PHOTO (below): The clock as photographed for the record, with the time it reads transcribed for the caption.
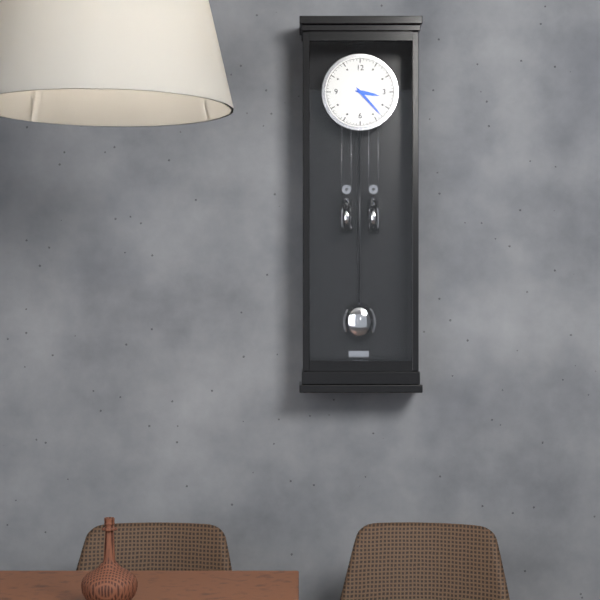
3:23
